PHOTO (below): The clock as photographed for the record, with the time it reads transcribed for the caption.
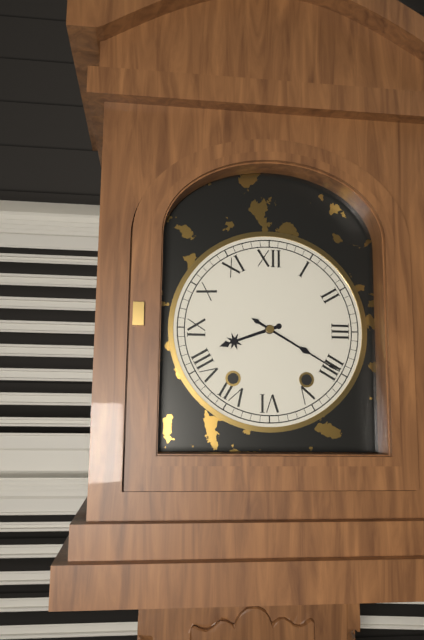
8:20
